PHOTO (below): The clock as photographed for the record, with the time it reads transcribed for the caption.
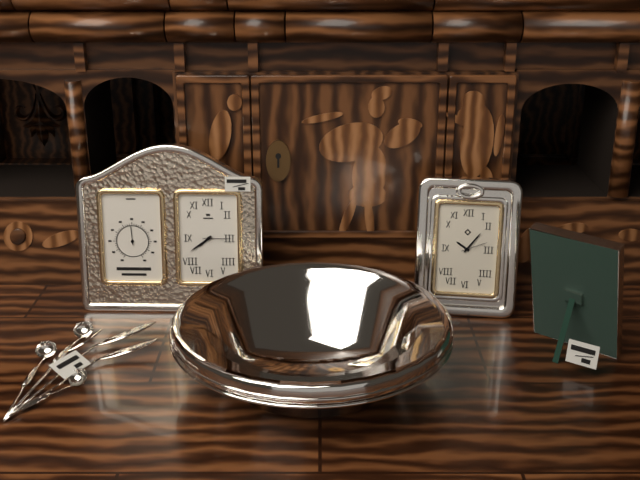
7:39
